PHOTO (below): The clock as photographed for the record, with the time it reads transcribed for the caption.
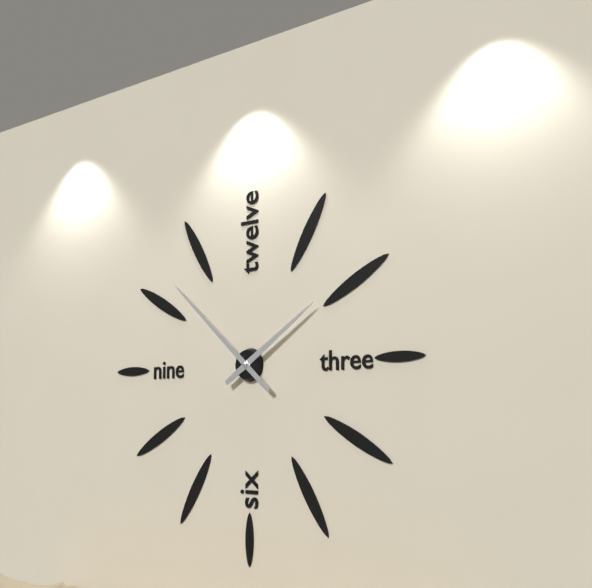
1:52
